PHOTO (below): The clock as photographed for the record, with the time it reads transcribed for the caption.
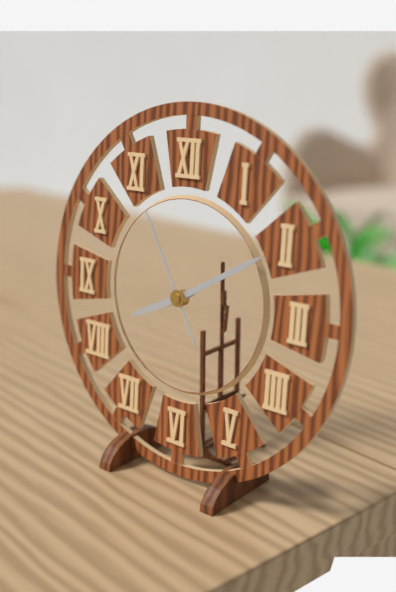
8:10:55
